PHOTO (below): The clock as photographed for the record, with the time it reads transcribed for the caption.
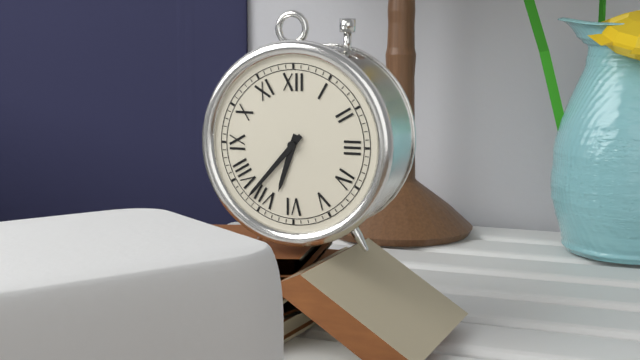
6:37
